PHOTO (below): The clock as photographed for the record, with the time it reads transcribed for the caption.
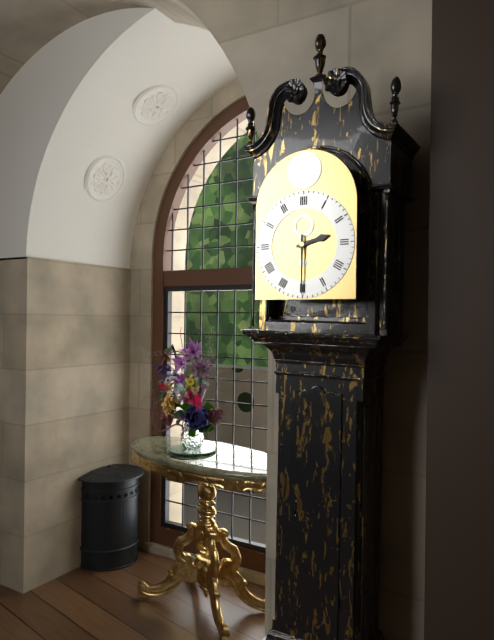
2:30
